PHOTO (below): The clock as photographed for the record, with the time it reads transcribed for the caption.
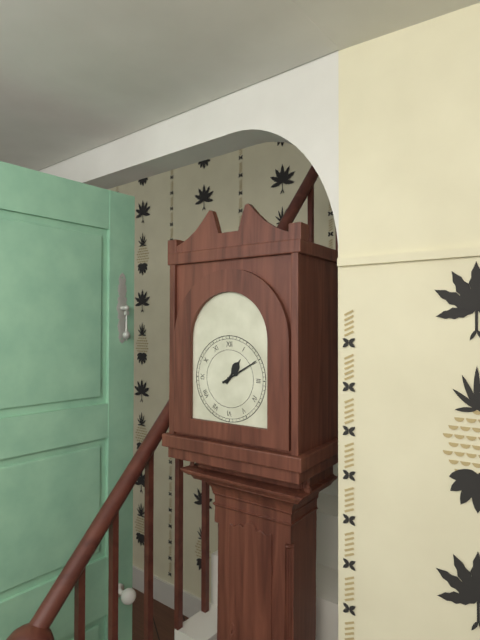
1:10
